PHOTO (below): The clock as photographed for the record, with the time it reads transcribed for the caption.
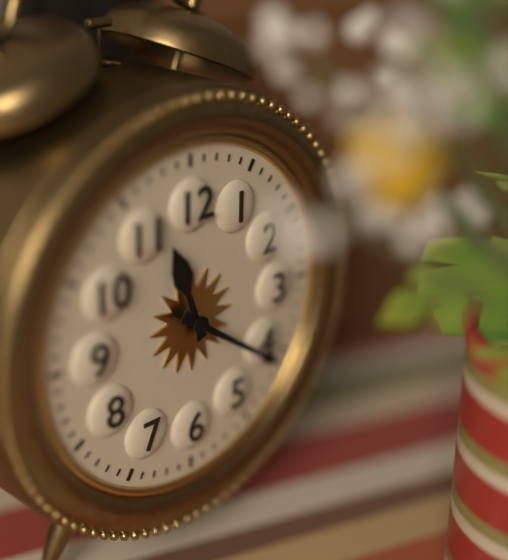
11:21
